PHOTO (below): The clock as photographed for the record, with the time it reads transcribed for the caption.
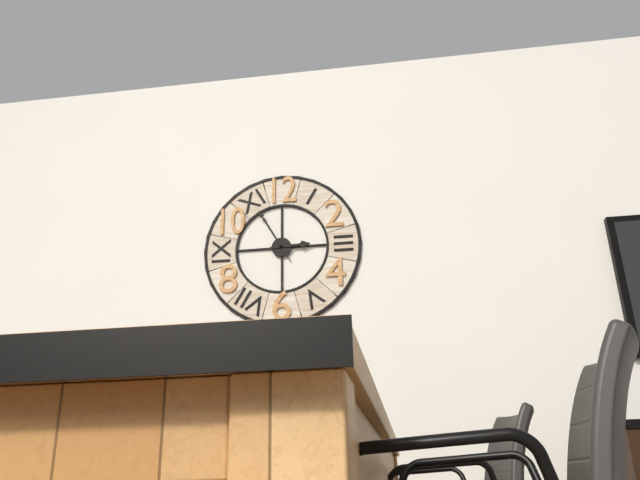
2:55
